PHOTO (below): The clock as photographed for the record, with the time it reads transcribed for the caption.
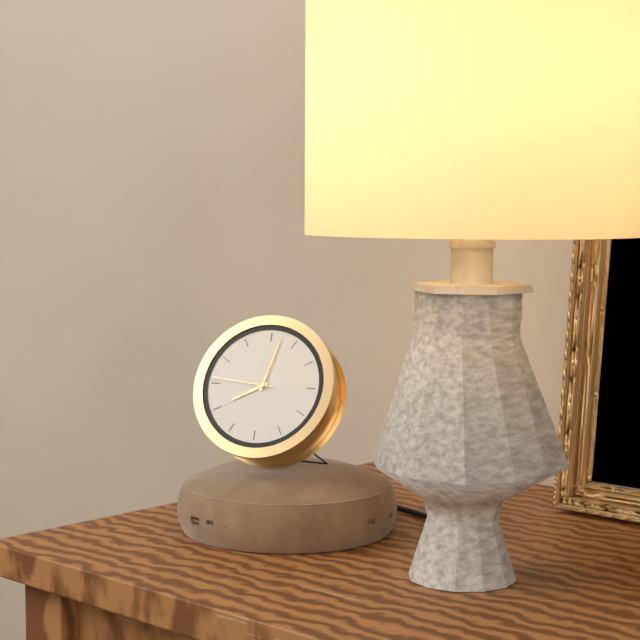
8:02:46
